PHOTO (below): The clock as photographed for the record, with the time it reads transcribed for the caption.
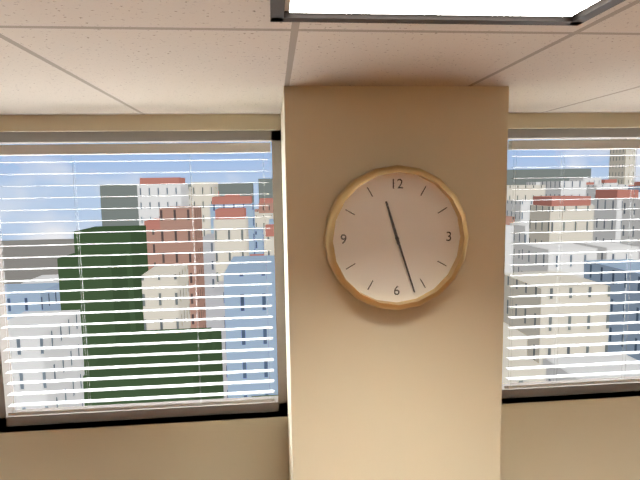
11:27
